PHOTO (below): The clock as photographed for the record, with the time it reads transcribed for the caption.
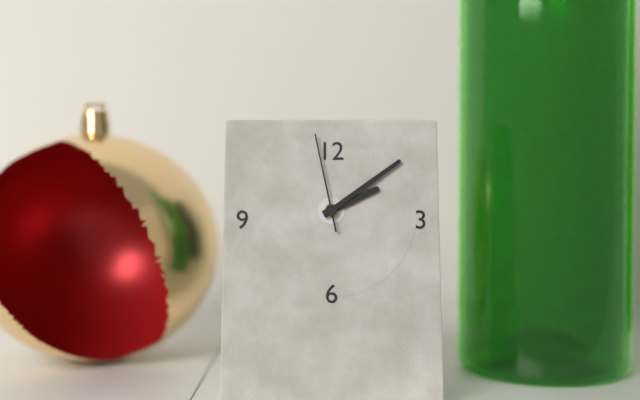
2:09:58
